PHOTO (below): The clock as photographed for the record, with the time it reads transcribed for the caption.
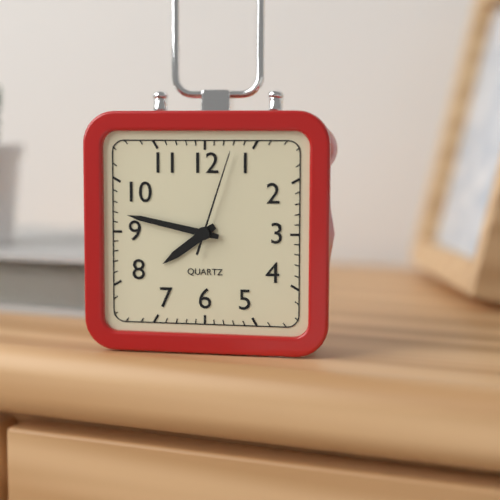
7:47:03
